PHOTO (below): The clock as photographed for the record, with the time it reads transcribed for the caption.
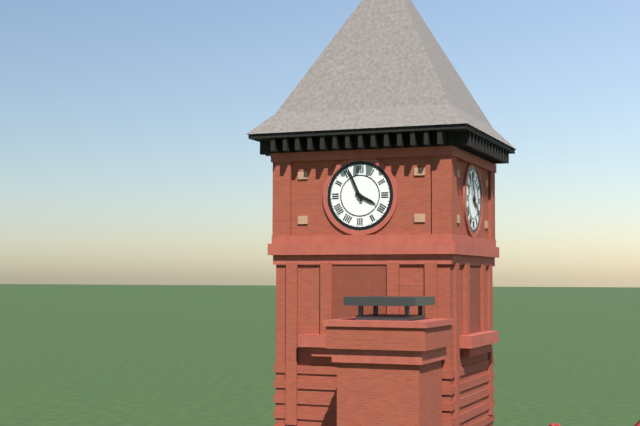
3:56
